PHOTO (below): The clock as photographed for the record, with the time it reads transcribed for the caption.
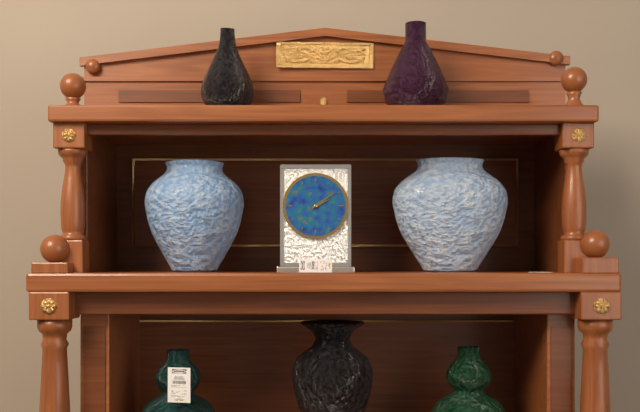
2:09
